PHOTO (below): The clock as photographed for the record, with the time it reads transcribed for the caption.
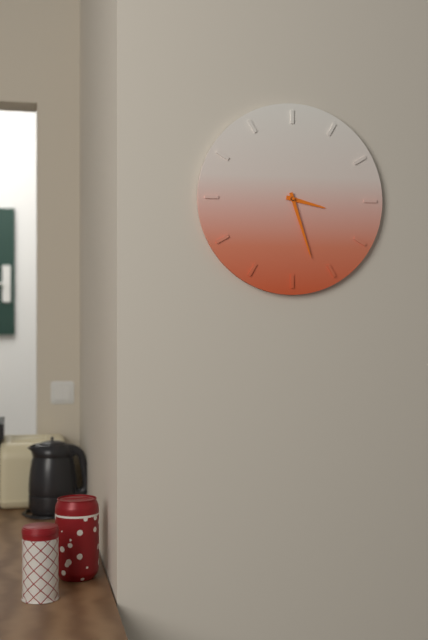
3:27
